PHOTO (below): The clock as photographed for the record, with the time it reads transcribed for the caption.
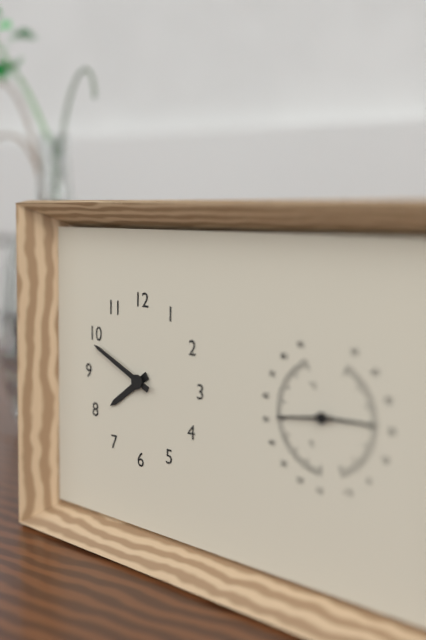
7:49
